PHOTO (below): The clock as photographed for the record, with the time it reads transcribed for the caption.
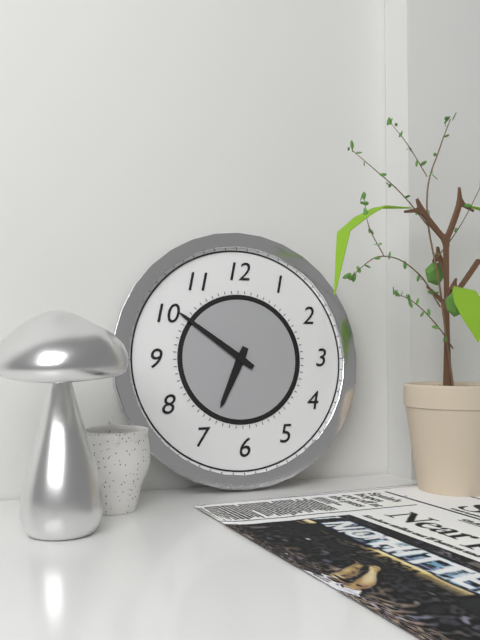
6:51
